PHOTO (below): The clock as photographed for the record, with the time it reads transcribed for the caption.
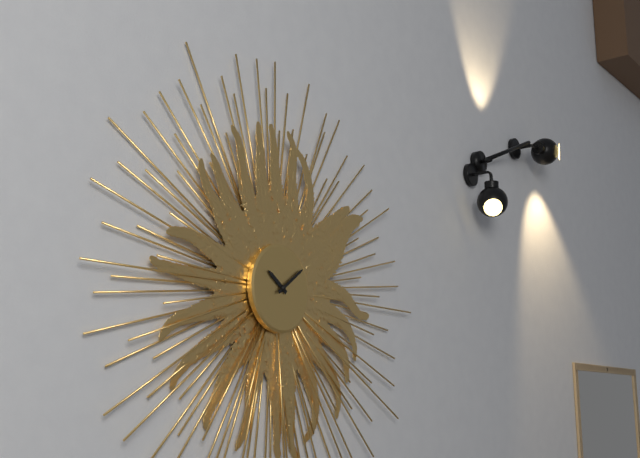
10:09
